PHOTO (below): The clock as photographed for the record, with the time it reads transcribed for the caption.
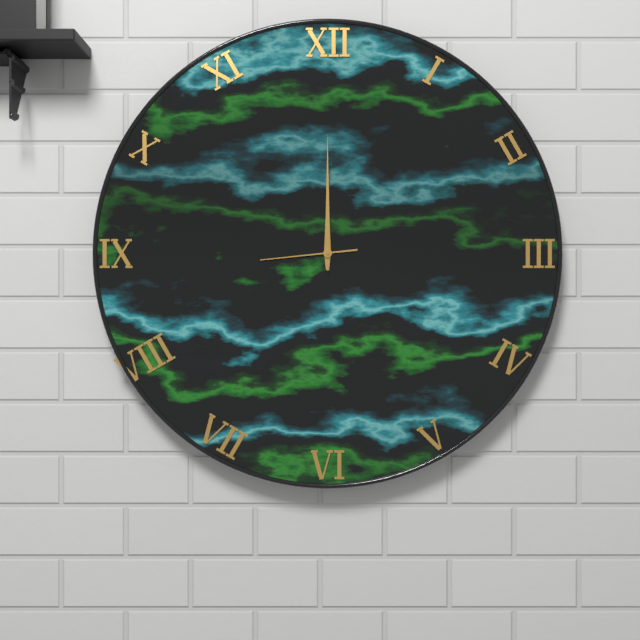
12:00:44
